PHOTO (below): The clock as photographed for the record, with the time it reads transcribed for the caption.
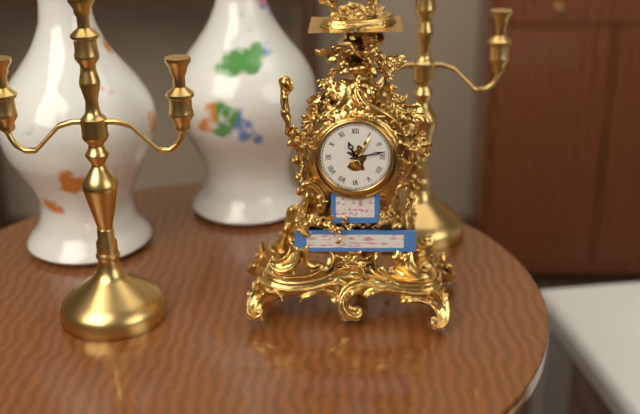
11:13
